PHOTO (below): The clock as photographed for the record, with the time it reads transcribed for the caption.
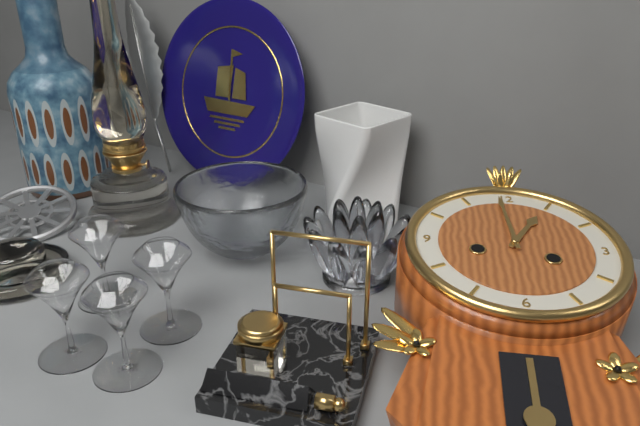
12:59
